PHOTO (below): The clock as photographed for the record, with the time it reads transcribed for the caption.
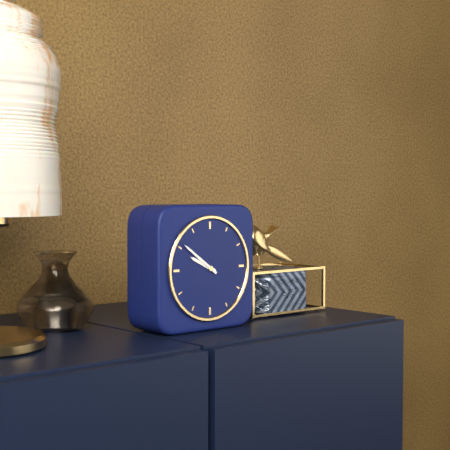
9:51
